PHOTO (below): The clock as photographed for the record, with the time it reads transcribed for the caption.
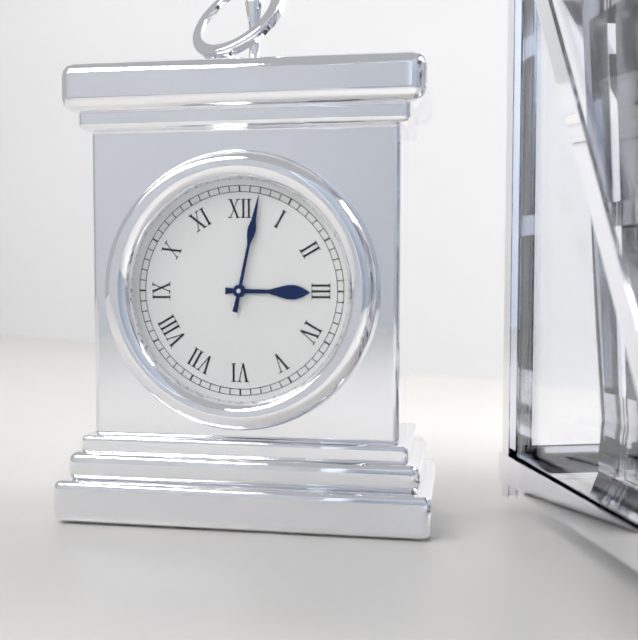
3:02
